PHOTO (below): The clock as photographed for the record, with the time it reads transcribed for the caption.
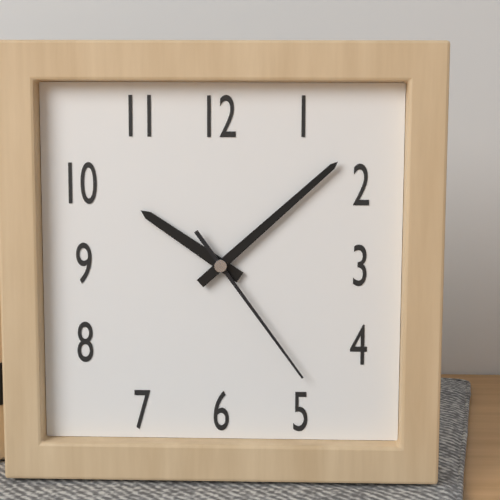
10:08:24
